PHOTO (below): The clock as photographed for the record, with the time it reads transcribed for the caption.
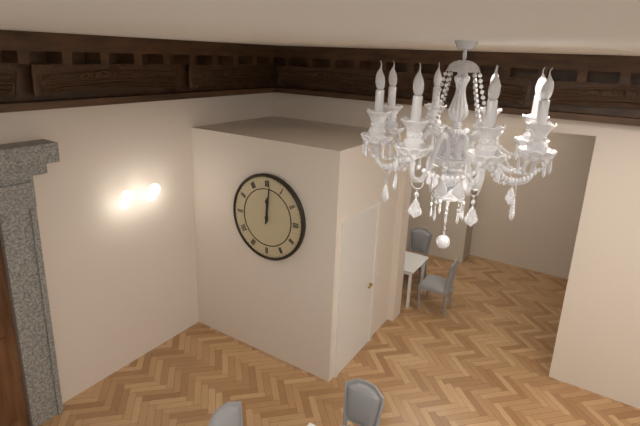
12:01
